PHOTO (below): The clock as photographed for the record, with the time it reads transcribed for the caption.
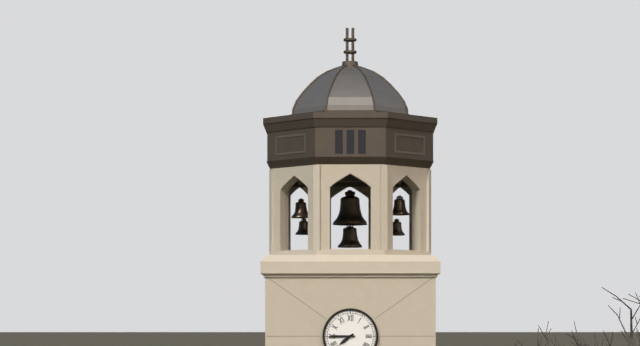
7:45
